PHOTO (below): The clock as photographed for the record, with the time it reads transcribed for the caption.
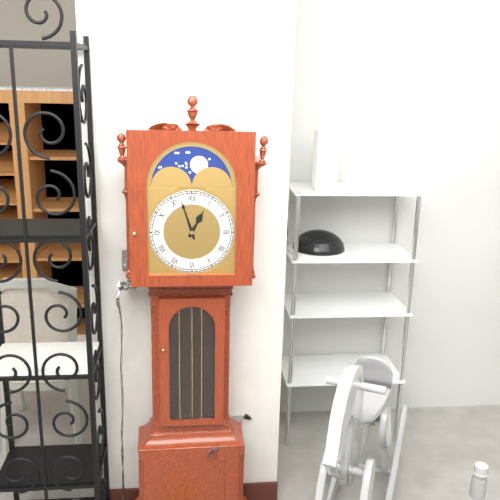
12:57
